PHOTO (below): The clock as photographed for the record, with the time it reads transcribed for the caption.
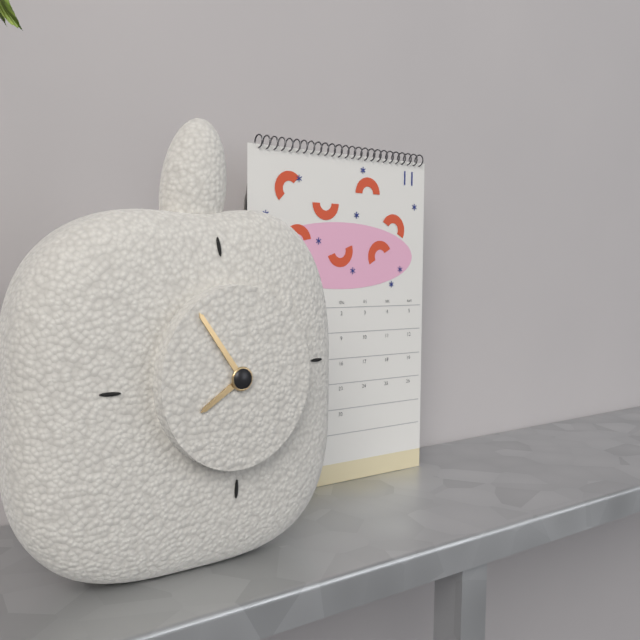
7:54
